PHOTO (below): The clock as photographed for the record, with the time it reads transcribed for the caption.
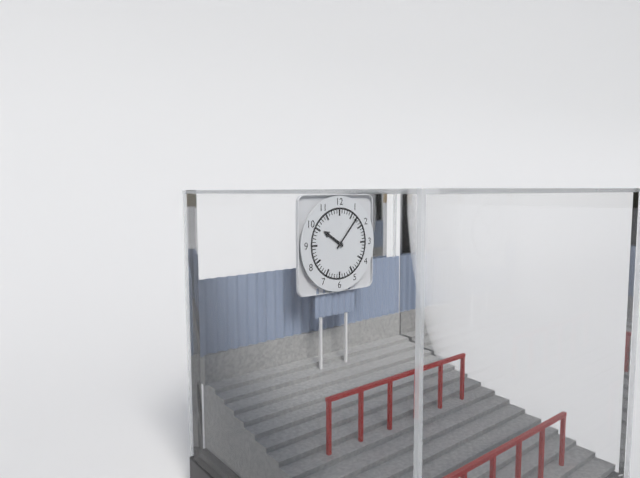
10:07
